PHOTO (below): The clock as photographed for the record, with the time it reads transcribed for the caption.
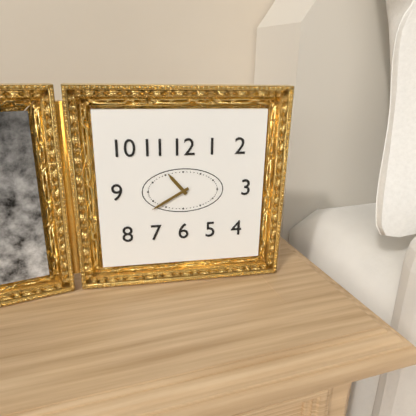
10:40
